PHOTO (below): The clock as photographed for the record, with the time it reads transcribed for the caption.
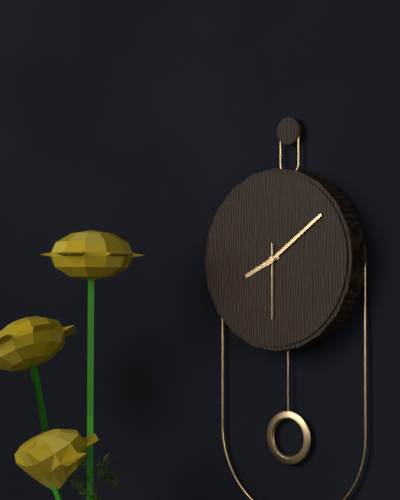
8:09:30
